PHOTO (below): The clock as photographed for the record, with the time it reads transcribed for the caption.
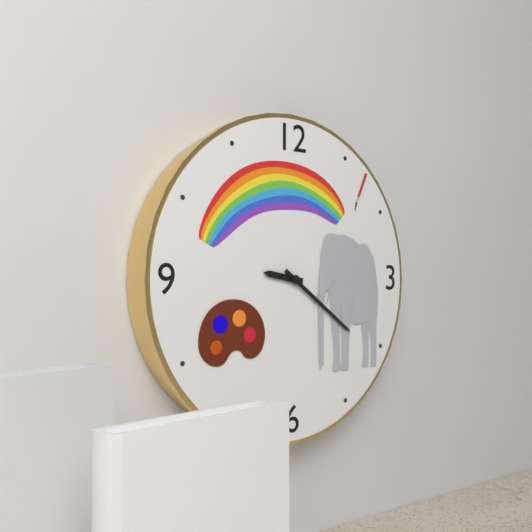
9:21
